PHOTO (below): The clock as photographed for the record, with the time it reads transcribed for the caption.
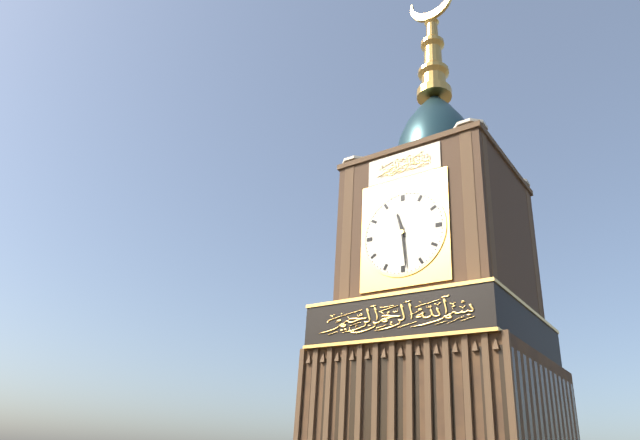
11:29
